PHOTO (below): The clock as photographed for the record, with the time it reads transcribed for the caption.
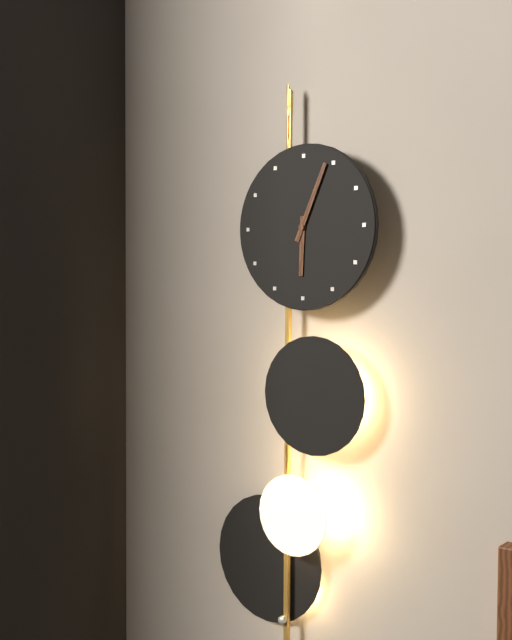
6:04
